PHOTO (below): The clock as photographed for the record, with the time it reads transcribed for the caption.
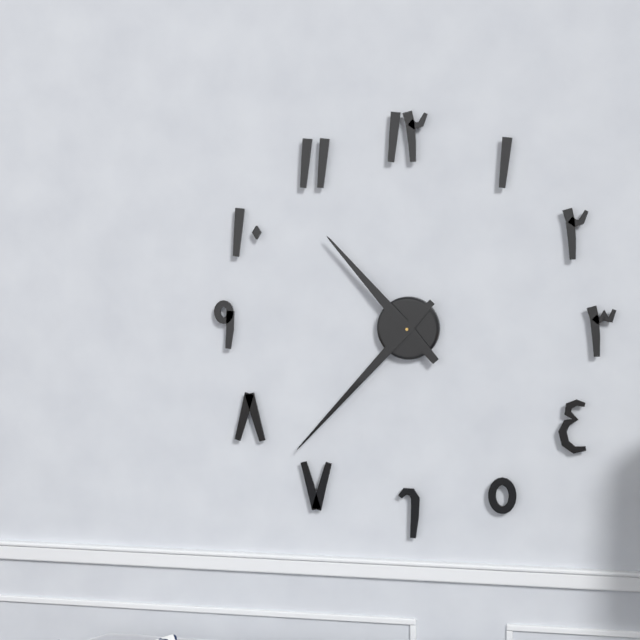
10:37
